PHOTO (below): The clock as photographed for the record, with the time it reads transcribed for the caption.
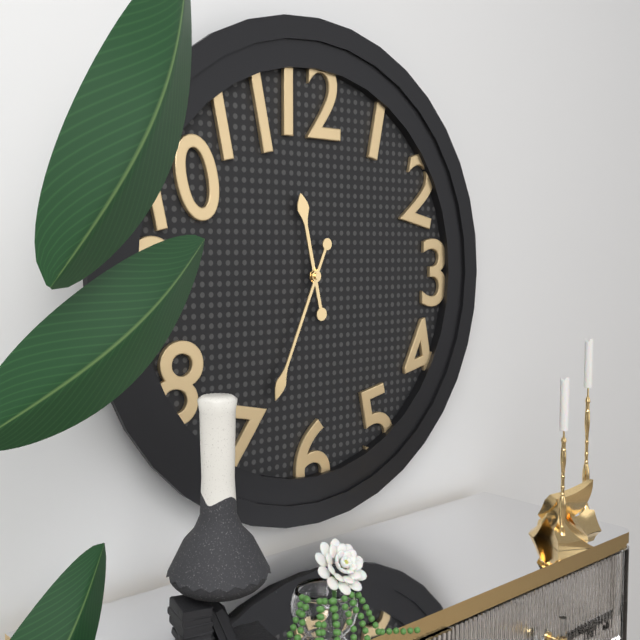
11:34
